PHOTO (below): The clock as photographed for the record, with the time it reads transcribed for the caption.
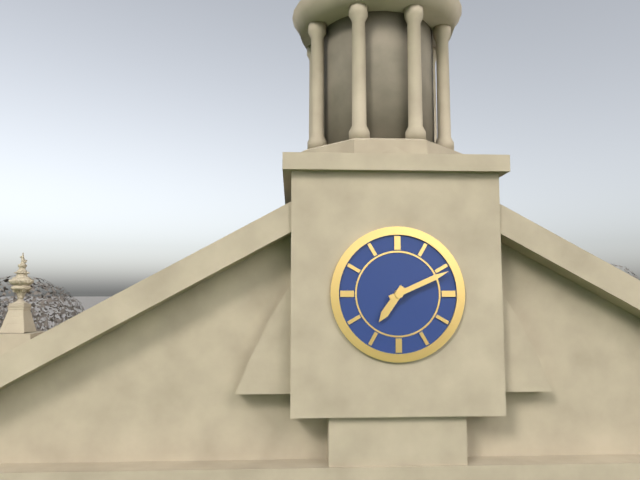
7:11
